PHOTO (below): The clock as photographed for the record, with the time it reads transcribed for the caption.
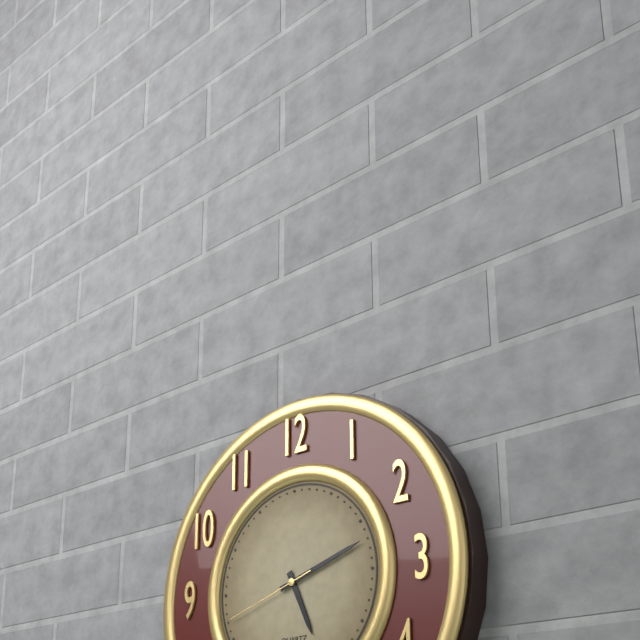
5:12:42
